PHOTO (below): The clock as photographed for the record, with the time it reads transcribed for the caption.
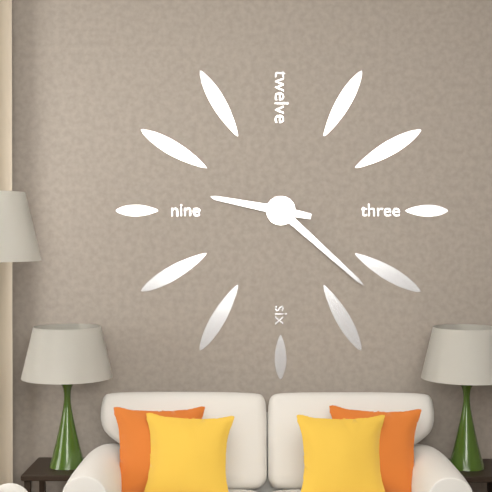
9:22
